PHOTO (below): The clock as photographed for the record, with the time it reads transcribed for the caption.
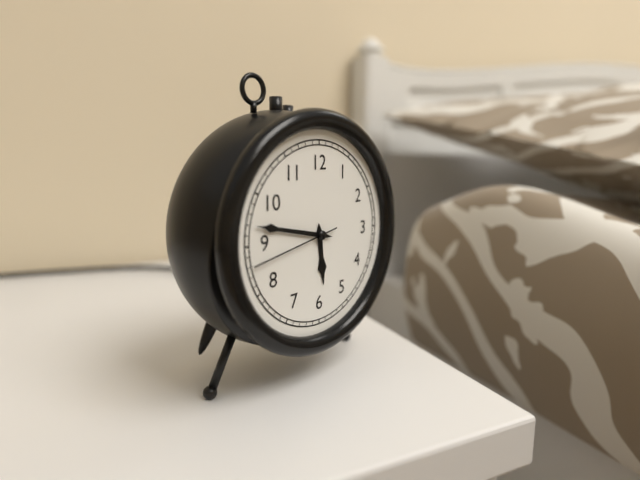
5:47:43
